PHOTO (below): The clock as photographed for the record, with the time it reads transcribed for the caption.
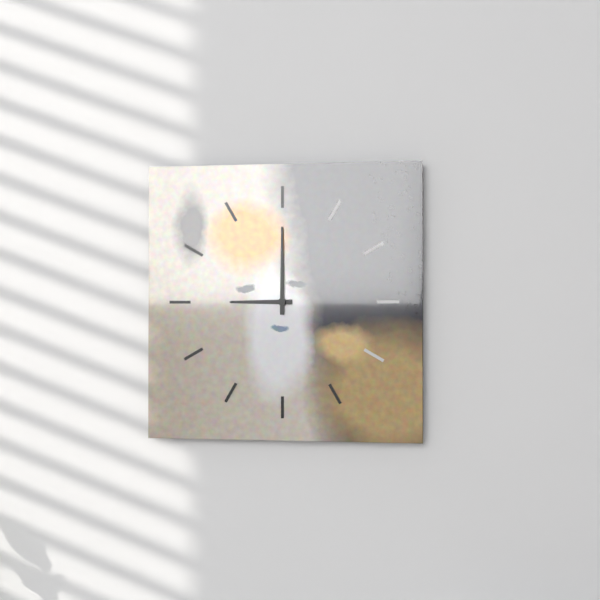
9:00
